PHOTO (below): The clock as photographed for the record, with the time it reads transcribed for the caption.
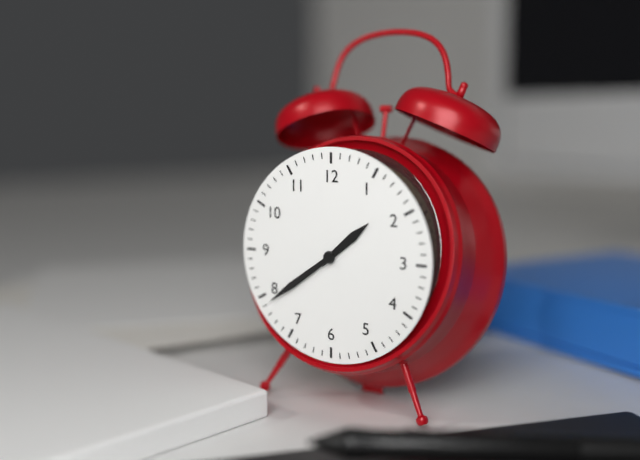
1:39
